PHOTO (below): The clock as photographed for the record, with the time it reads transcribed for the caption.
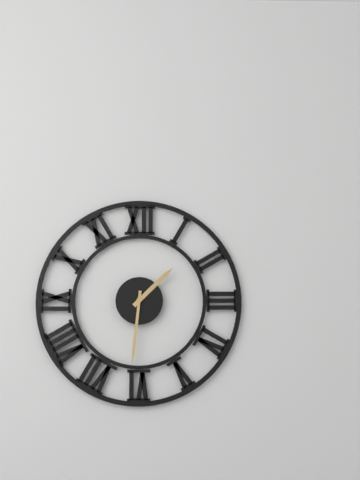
1:31
